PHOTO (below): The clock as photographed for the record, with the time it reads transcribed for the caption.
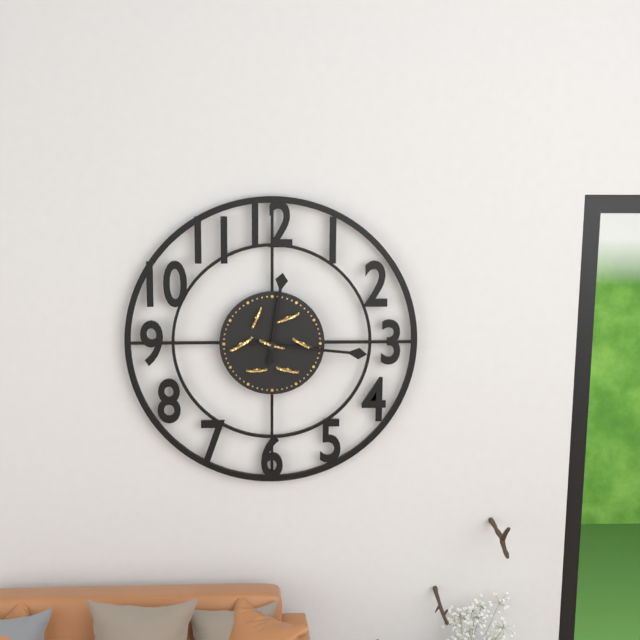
12:16
